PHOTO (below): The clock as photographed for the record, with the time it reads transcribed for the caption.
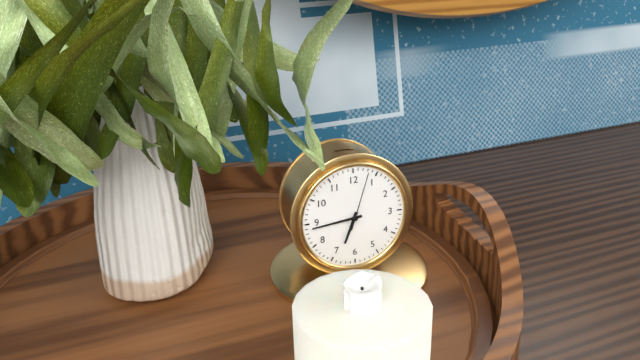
6:44:03
